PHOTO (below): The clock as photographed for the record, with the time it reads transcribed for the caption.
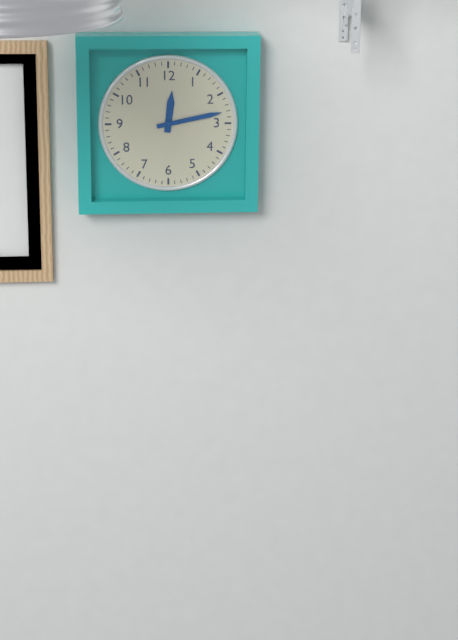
12:13
